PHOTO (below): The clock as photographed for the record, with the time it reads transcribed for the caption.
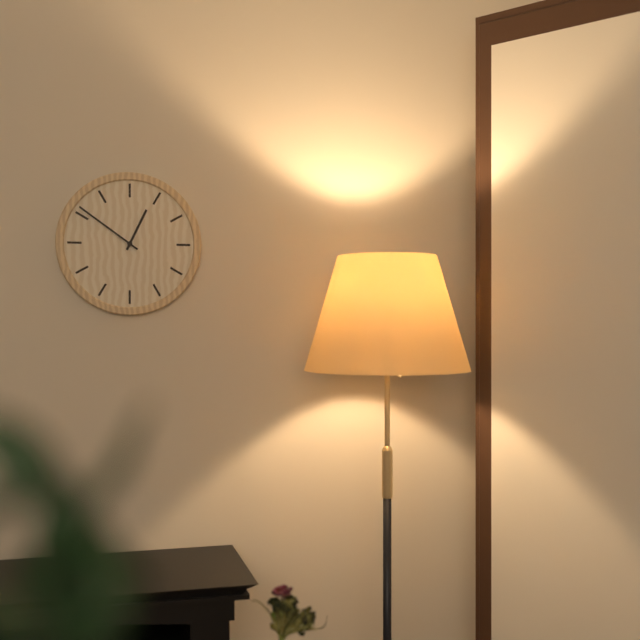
12:51
